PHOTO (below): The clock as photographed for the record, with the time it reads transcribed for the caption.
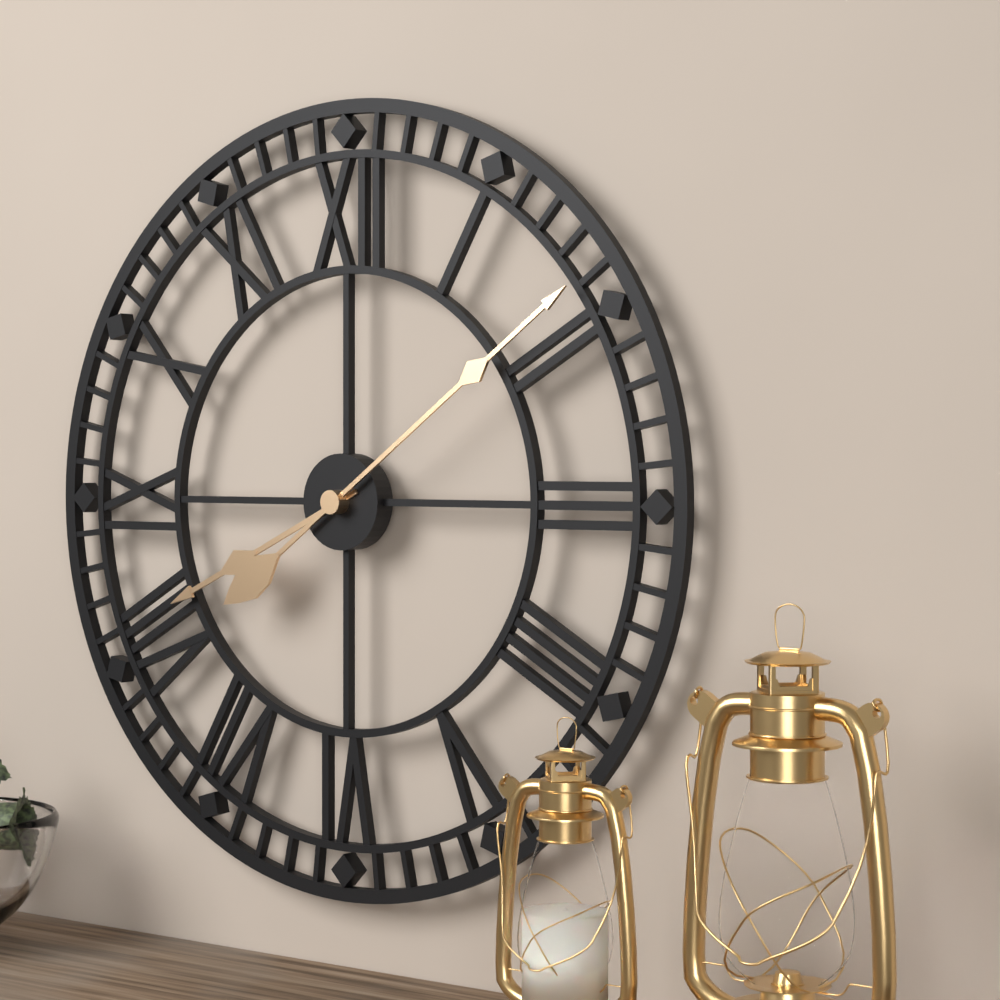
8:09
